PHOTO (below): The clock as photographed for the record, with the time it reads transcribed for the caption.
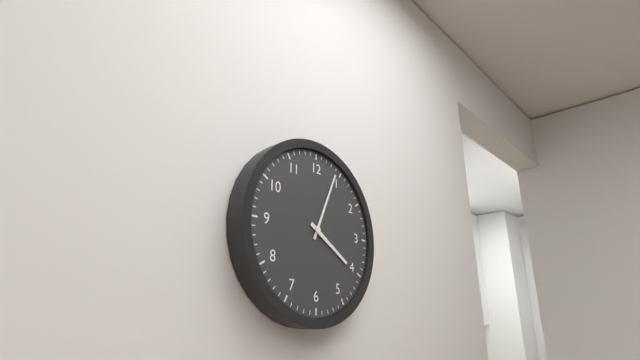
4:04
